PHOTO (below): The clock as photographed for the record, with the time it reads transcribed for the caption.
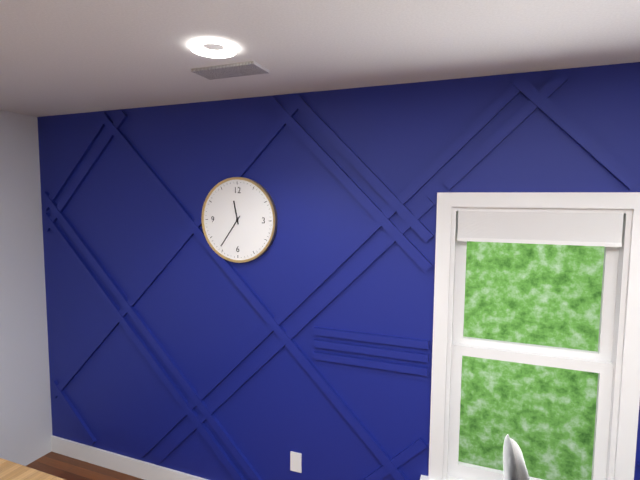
11:36
